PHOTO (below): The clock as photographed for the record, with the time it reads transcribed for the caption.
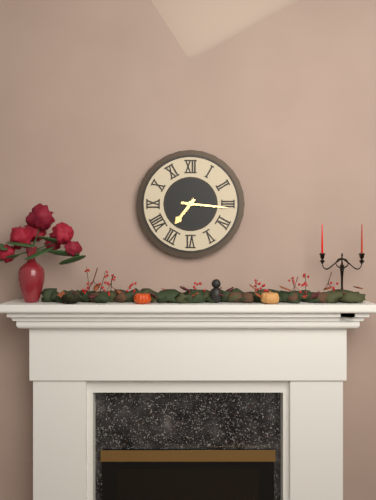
7:16
